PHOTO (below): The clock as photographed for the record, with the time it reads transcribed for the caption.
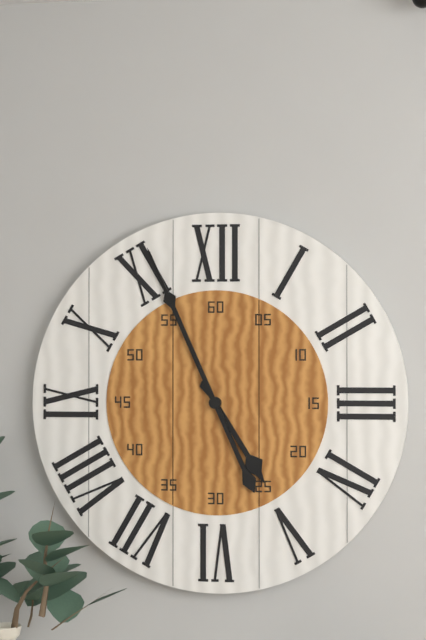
4:56
